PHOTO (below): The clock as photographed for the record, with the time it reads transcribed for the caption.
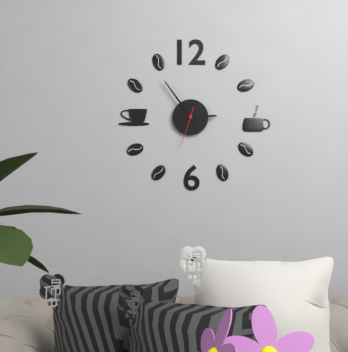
2:54
